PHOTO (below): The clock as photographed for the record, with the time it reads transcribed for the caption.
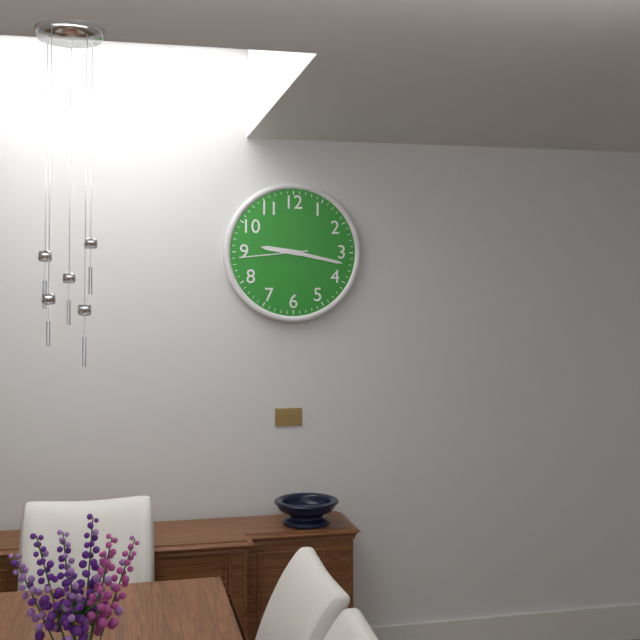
9:17:44
